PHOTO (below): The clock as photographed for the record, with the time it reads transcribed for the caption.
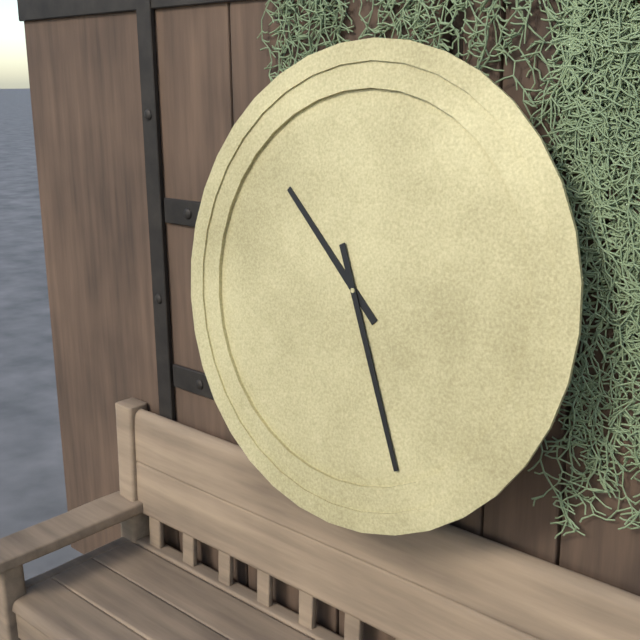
10:26
